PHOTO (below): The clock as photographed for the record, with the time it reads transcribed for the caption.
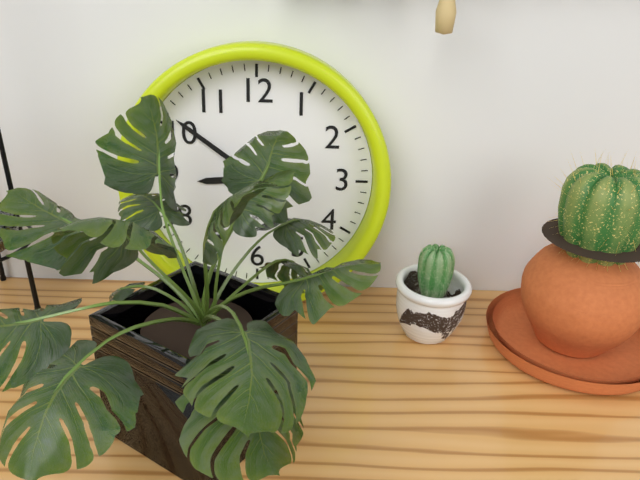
8:51
